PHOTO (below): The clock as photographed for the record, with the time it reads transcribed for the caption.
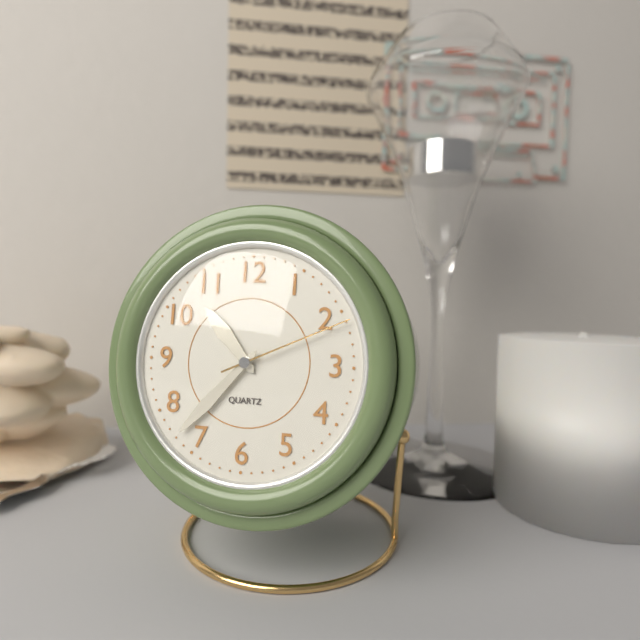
10:37:11
